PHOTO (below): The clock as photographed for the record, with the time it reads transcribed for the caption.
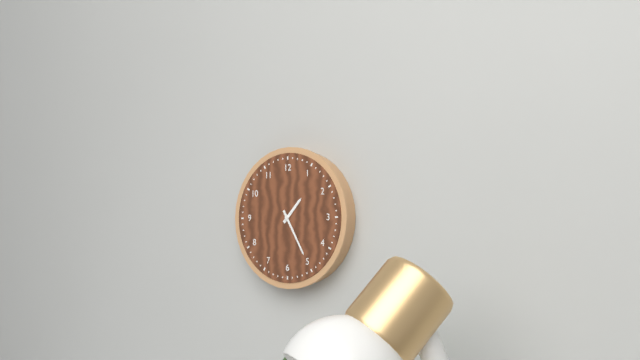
1:25
